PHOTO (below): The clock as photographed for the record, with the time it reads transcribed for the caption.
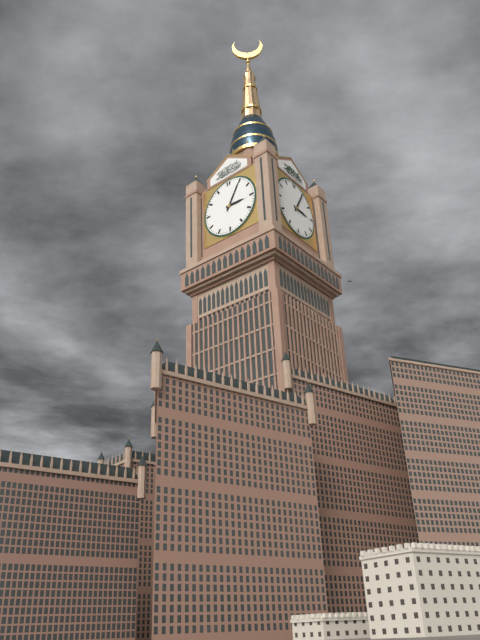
3:05
